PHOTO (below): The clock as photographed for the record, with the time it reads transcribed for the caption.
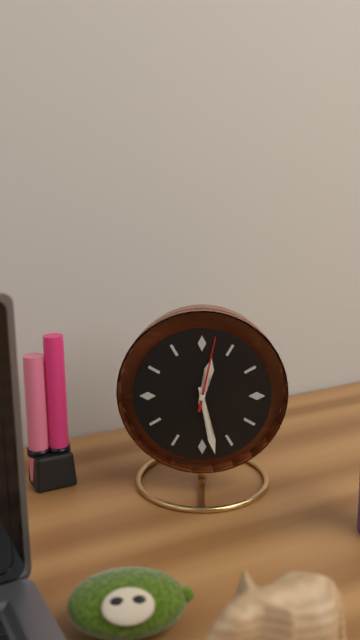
12:28:02
